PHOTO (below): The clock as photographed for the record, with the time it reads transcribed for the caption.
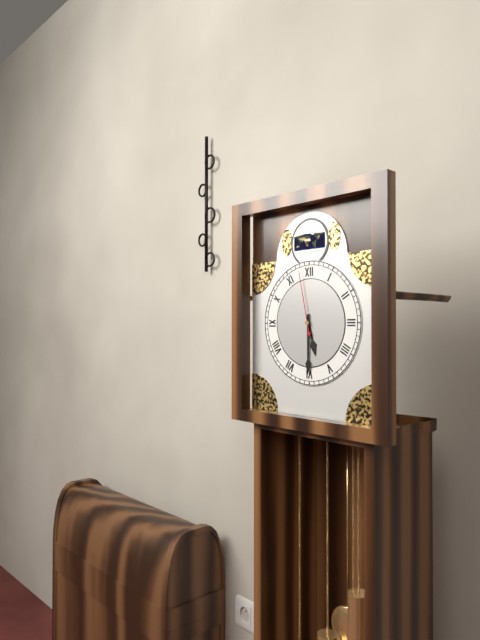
5:30:58
